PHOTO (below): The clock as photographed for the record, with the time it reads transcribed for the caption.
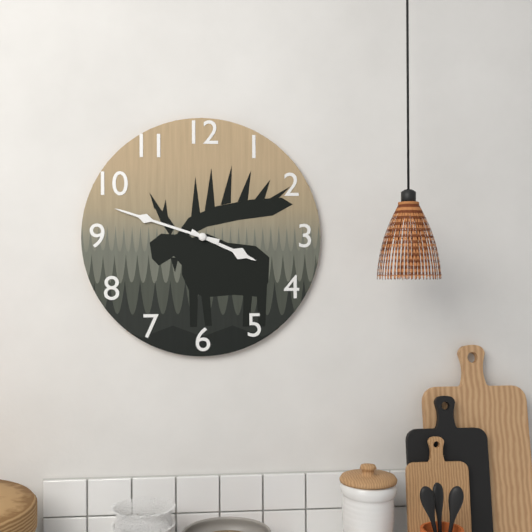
3:48
